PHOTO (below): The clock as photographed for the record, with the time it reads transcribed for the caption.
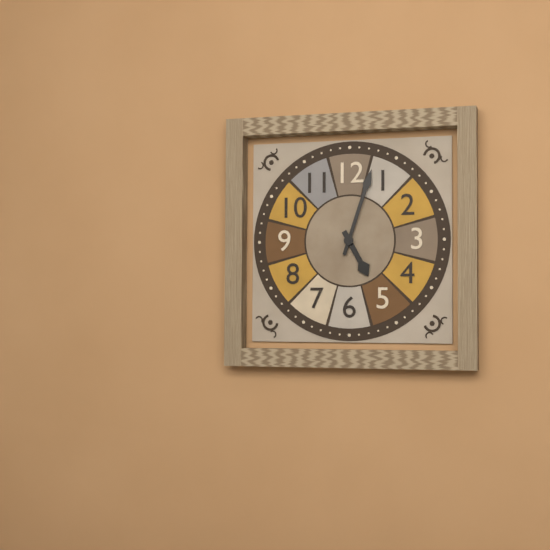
5:03
